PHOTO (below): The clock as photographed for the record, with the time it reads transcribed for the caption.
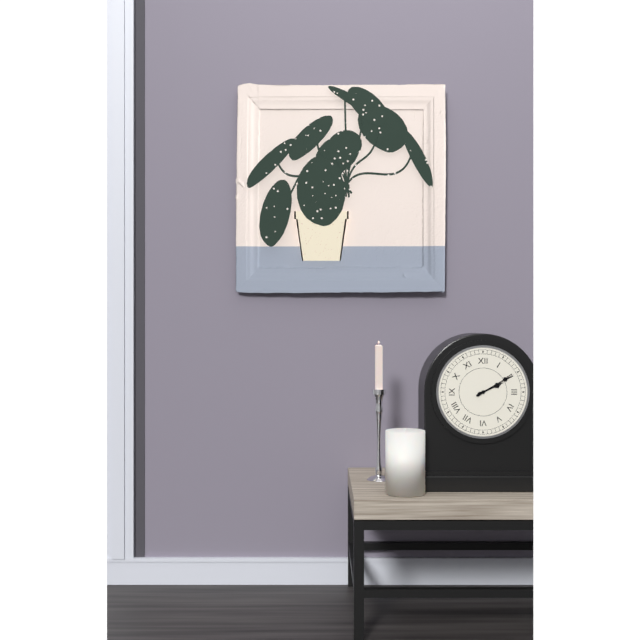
2:10
